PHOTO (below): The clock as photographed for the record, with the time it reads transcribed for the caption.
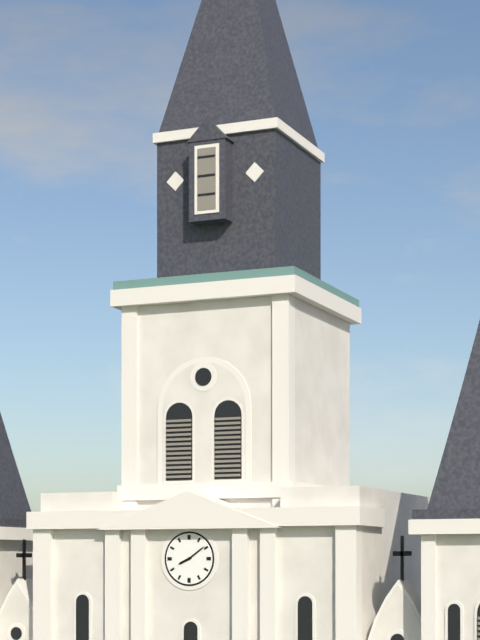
8:09
